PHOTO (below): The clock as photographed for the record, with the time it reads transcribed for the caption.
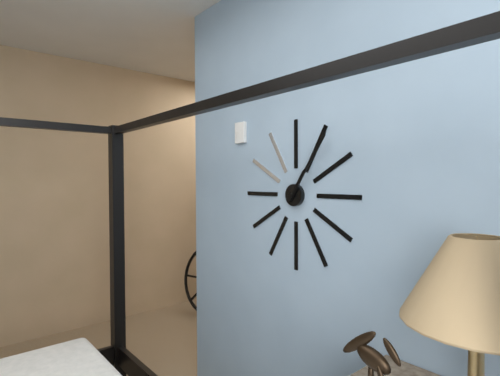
1:06
